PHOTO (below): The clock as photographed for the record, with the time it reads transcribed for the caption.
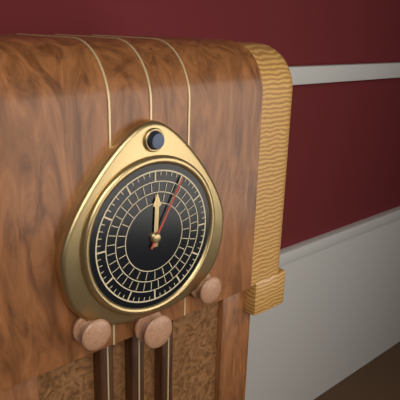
12:05
